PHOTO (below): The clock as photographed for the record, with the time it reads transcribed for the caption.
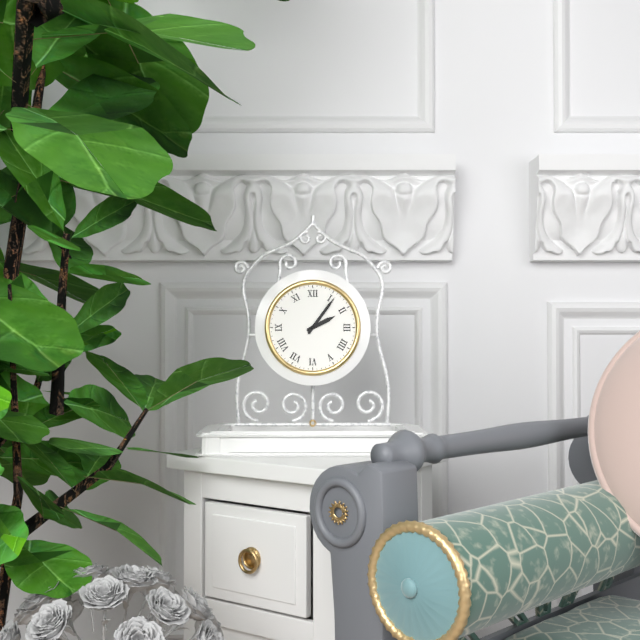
2:06
